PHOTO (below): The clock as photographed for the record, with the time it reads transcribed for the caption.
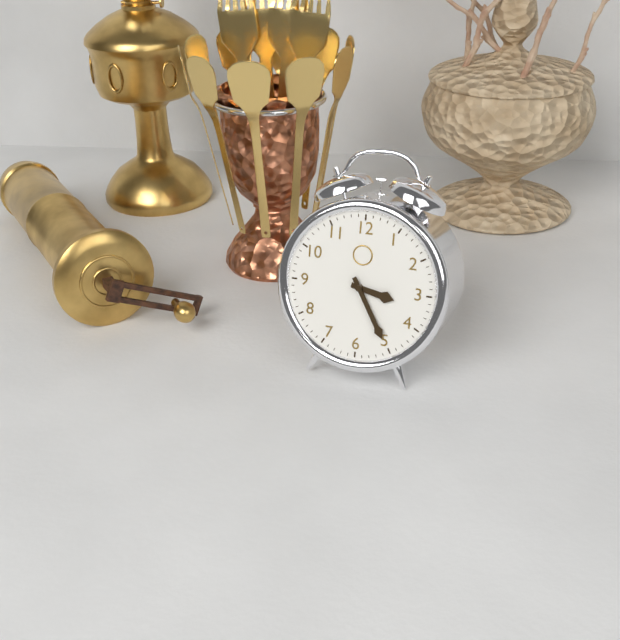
3:25
